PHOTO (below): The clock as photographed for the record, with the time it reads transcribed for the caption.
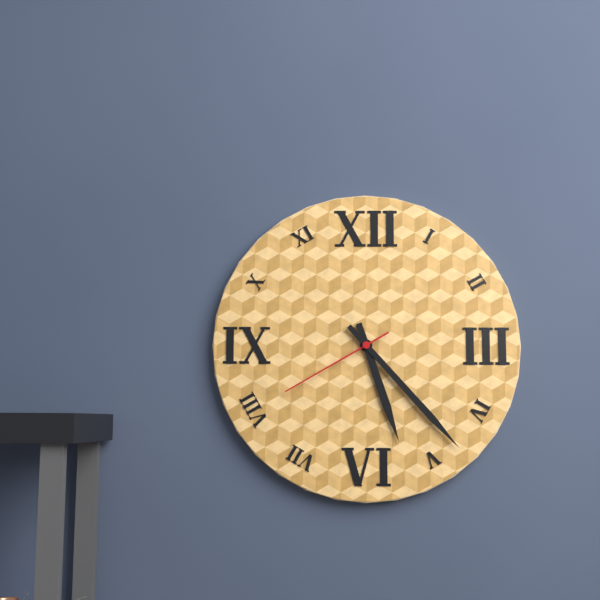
5:23:40
